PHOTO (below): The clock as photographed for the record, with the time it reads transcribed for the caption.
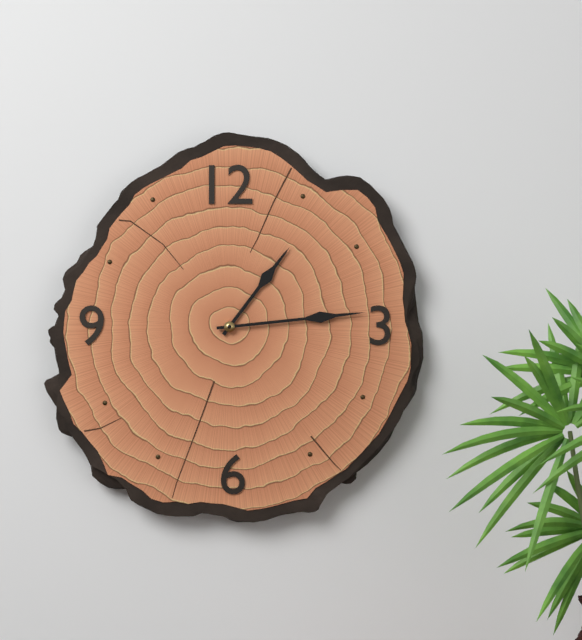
1:14
